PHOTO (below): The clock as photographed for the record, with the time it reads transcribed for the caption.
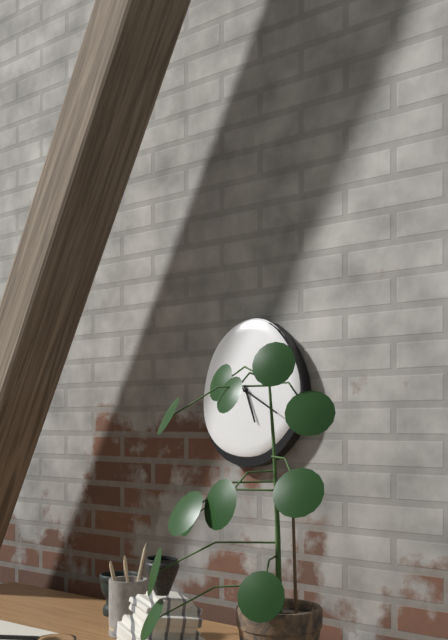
5:20
